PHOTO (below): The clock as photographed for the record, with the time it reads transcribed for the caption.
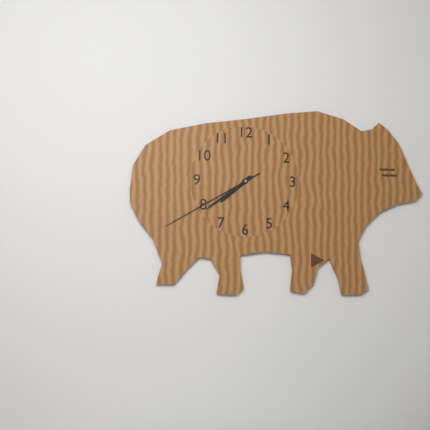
7:39:40
